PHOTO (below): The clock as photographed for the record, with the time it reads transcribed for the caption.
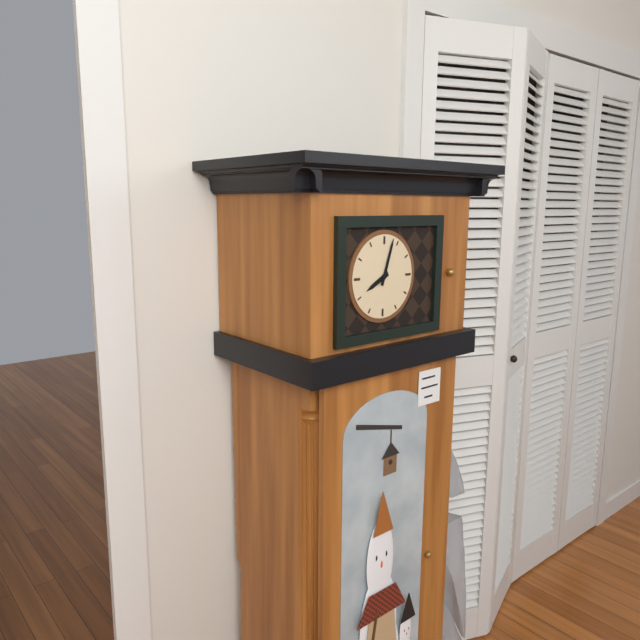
8:03
